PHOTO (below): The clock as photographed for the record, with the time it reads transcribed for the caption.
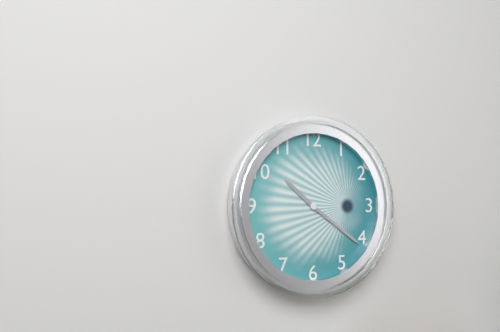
10:21
